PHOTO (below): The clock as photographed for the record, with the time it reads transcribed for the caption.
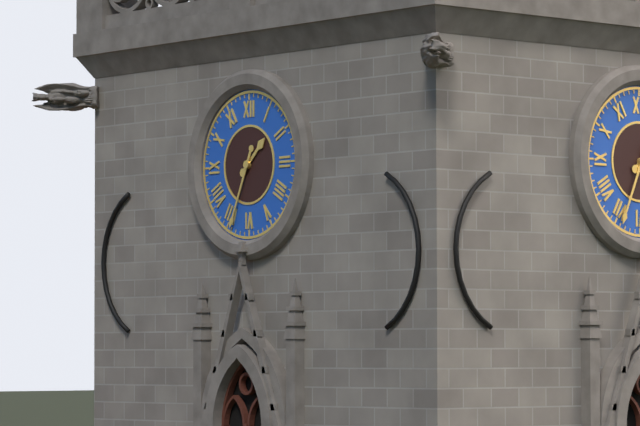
1:34
